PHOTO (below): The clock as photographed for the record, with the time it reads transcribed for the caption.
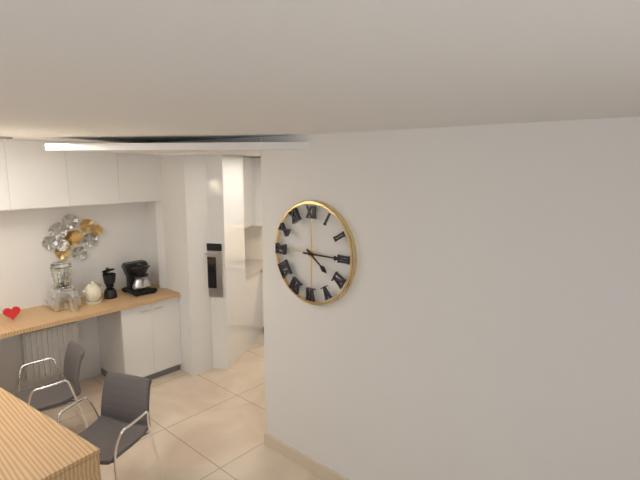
4:15
